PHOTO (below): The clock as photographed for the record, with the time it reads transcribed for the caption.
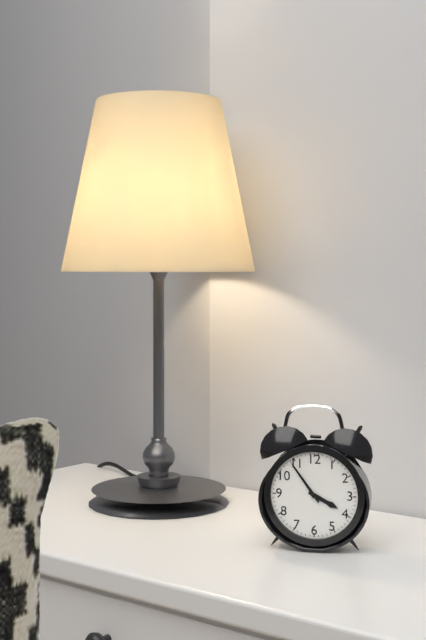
3:54
